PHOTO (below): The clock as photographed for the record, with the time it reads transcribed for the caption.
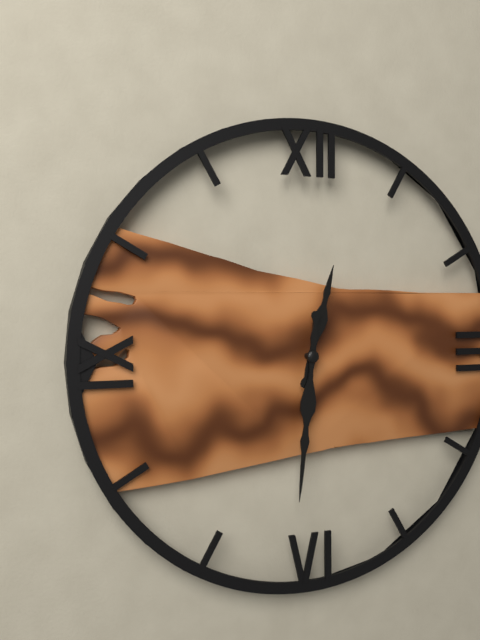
12:31
